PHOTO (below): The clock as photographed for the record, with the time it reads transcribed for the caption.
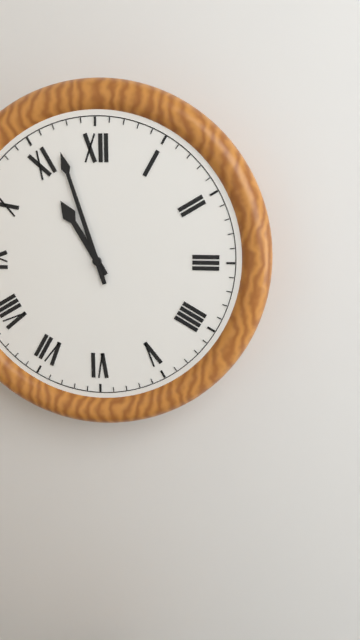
10:57
